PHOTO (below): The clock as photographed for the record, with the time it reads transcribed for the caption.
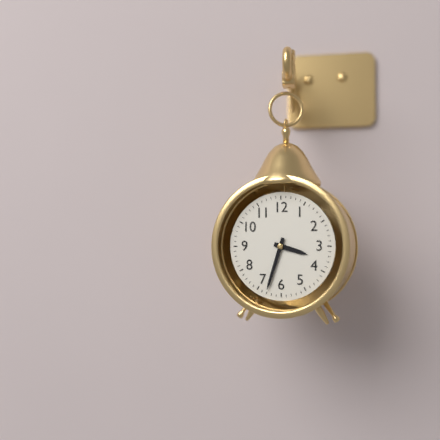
3:33
